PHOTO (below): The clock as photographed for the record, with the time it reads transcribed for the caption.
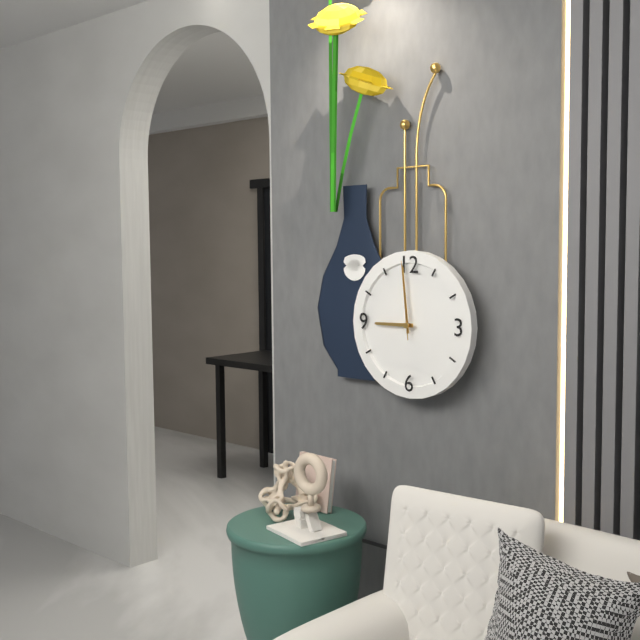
8:59:59
